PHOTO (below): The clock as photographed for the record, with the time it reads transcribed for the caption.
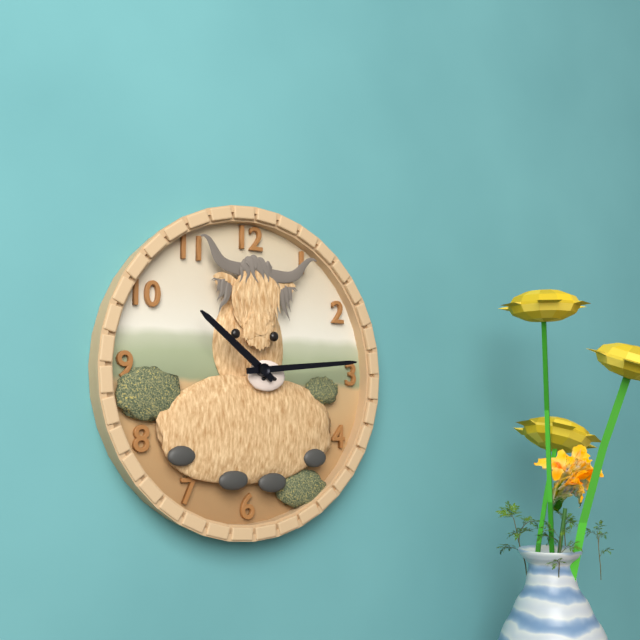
10:14
